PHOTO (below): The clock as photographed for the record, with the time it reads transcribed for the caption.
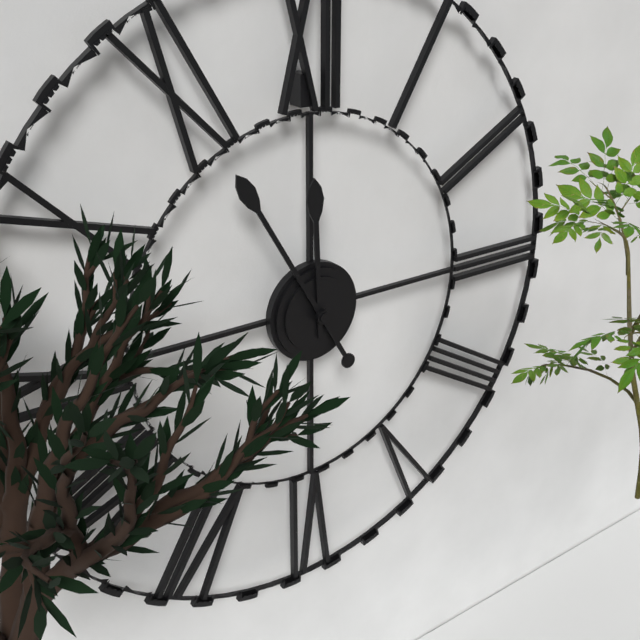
11:55
